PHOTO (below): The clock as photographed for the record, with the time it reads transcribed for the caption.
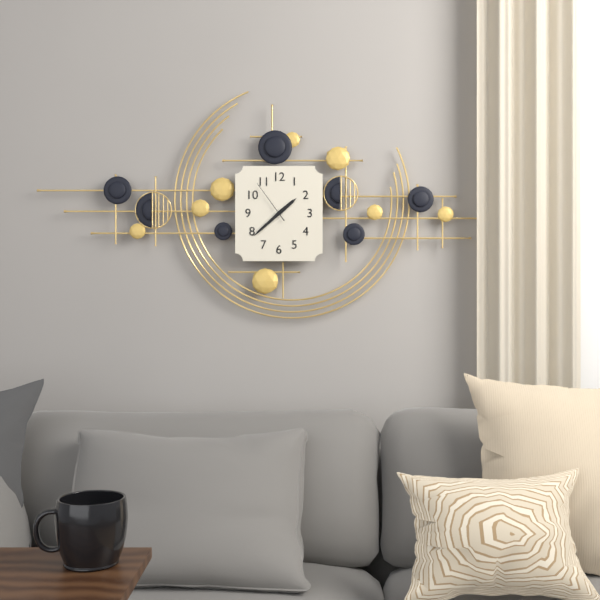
1:38
